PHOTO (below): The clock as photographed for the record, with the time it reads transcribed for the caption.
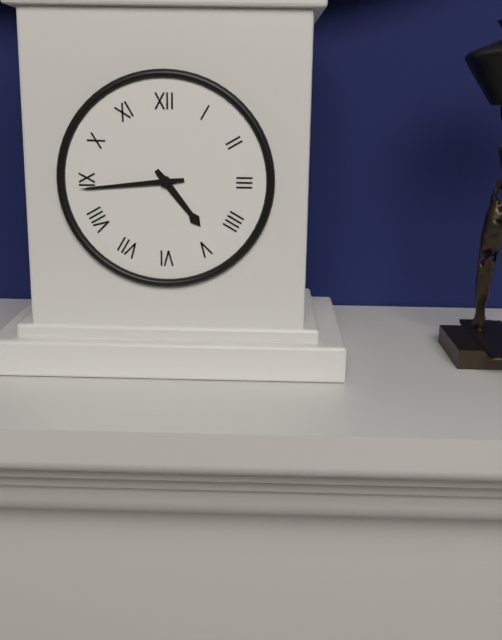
4:44
